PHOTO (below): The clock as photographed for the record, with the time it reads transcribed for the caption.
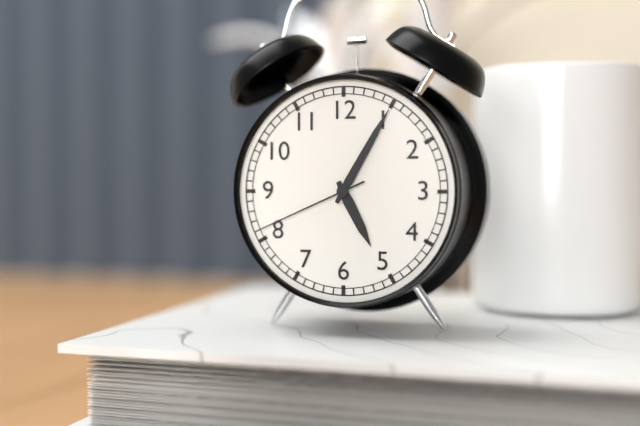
5:05:41
